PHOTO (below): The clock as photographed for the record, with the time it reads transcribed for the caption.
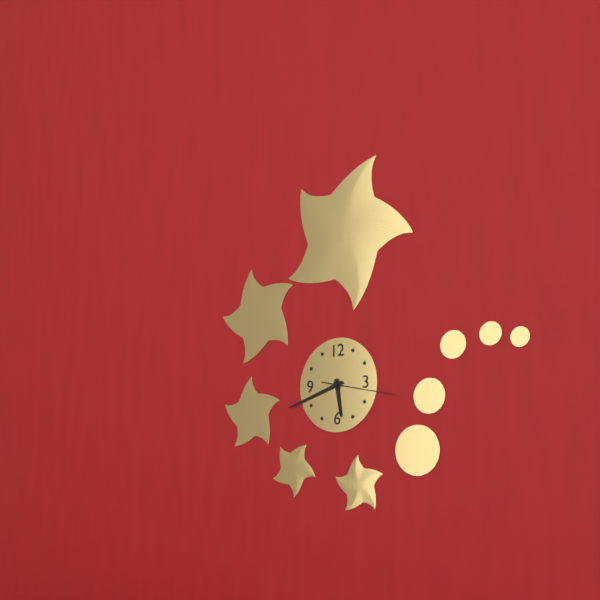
5:42:17
